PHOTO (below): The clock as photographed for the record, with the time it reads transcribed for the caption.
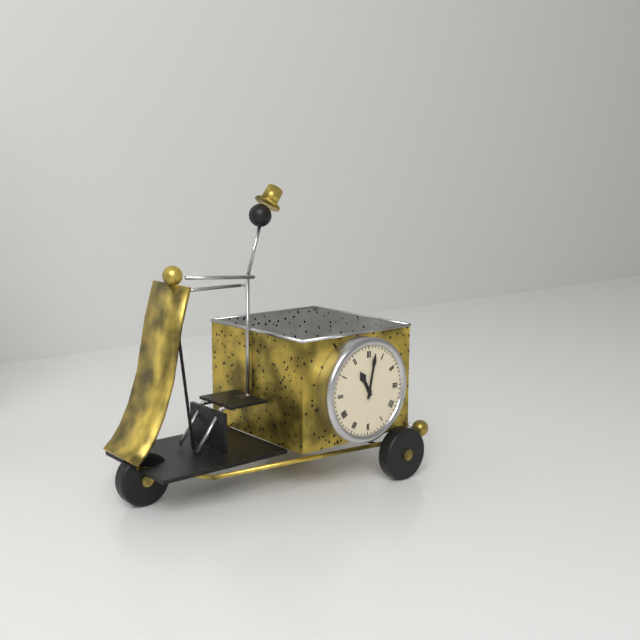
11:02
